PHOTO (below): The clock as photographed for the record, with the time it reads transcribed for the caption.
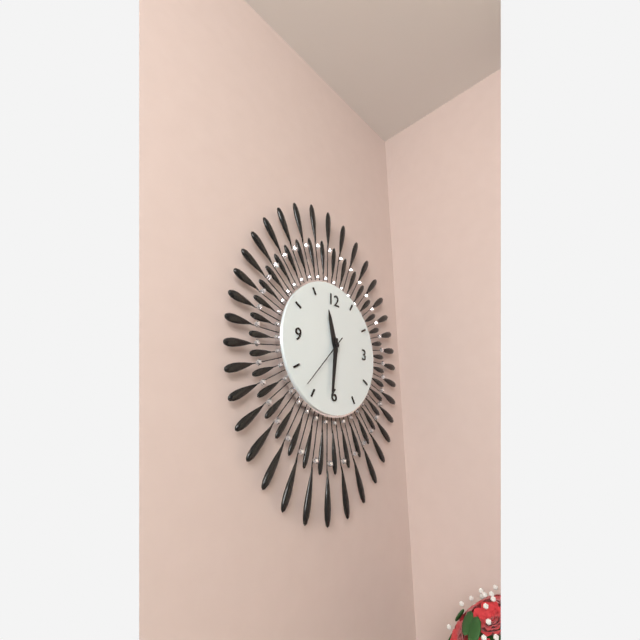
11:31:37
